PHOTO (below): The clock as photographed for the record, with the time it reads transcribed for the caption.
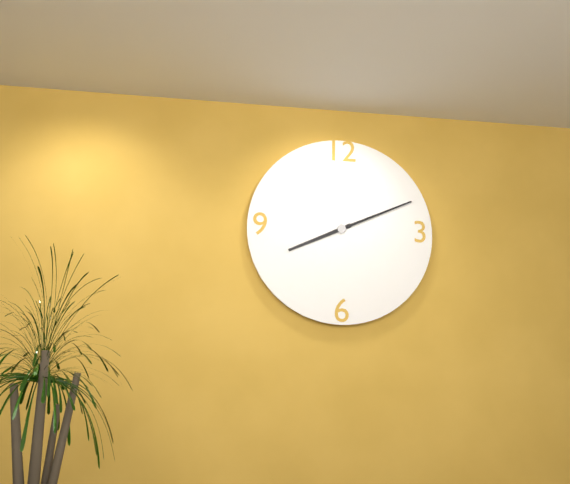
8:11
